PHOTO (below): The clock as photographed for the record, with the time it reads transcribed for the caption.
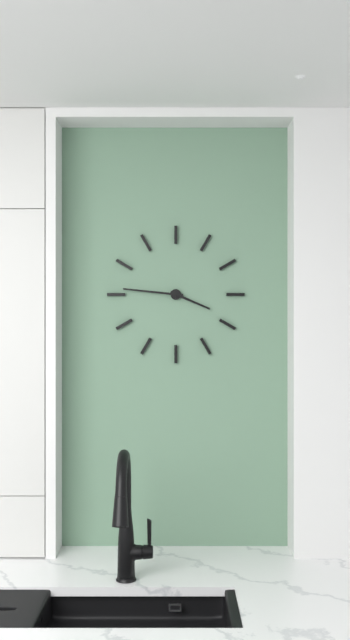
3:46
